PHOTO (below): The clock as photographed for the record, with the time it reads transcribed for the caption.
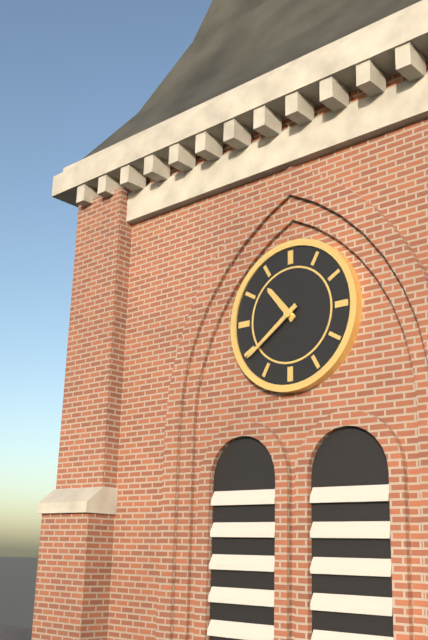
10:39
